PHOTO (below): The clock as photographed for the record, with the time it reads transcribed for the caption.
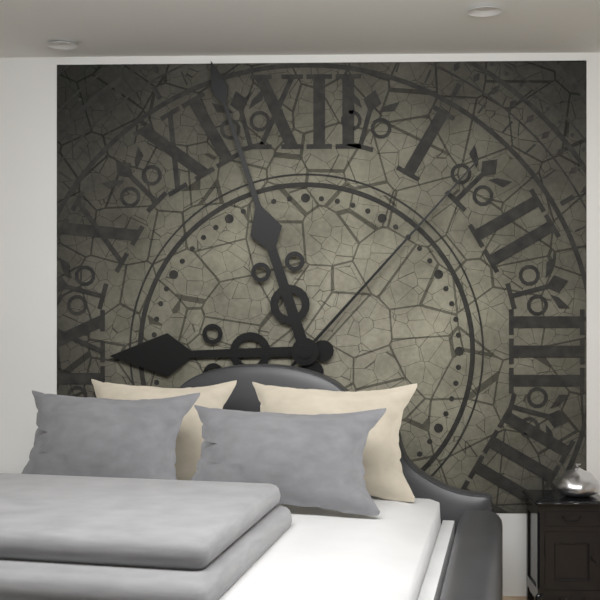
8:57:07
